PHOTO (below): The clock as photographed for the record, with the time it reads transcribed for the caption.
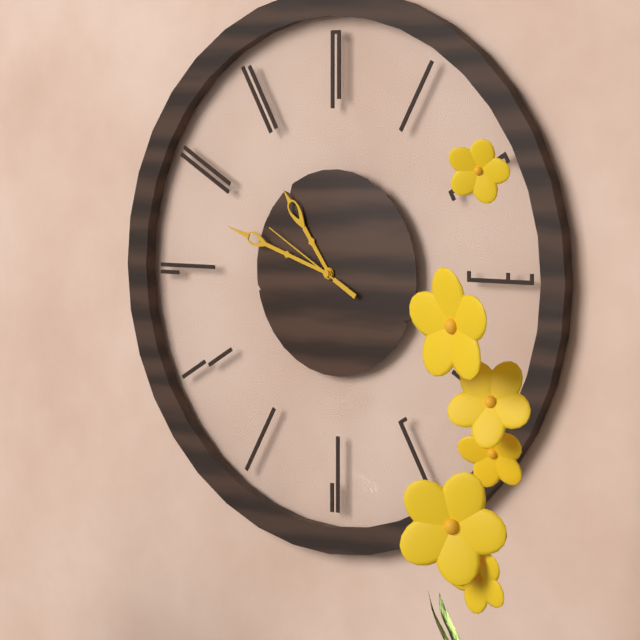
10:48:50
